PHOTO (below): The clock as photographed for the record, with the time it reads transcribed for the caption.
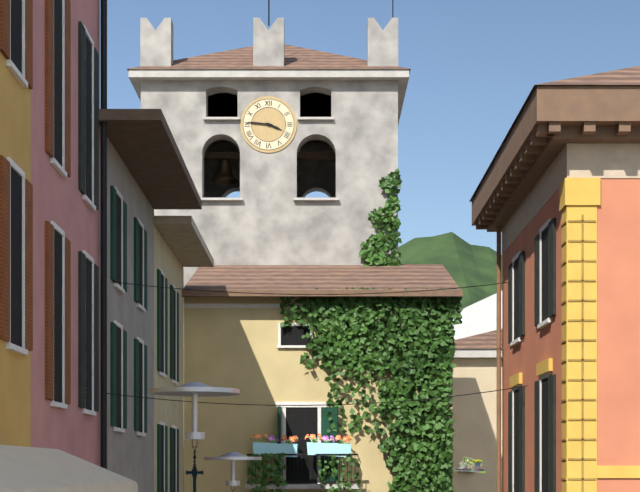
3:46
